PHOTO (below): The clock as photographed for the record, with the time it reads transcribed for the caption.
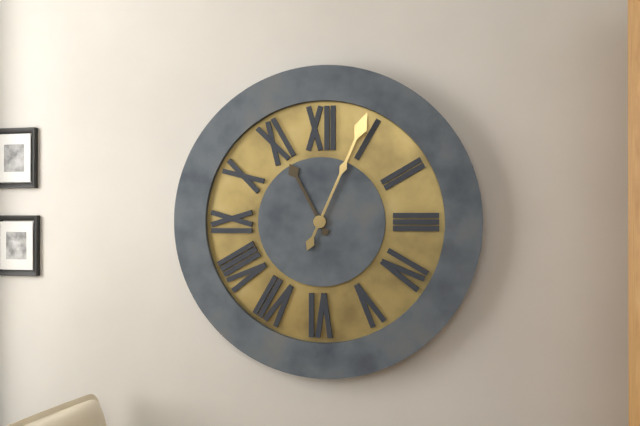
11:04
